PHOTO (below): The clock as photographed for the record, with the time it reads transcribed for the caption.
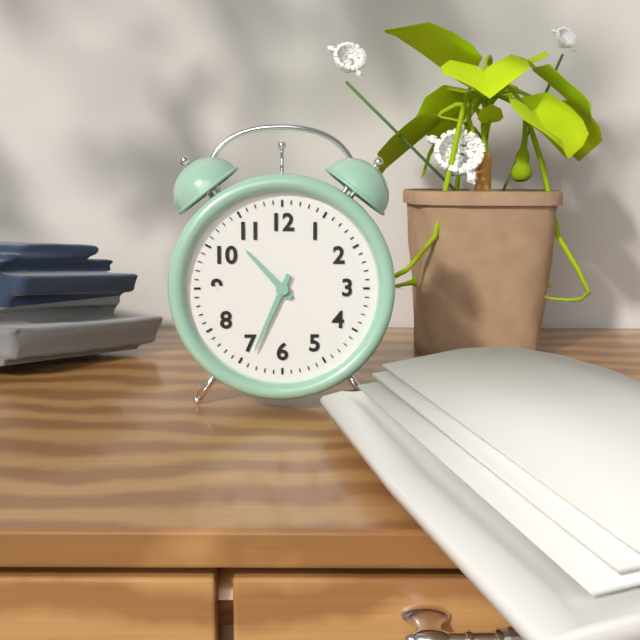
10:34
